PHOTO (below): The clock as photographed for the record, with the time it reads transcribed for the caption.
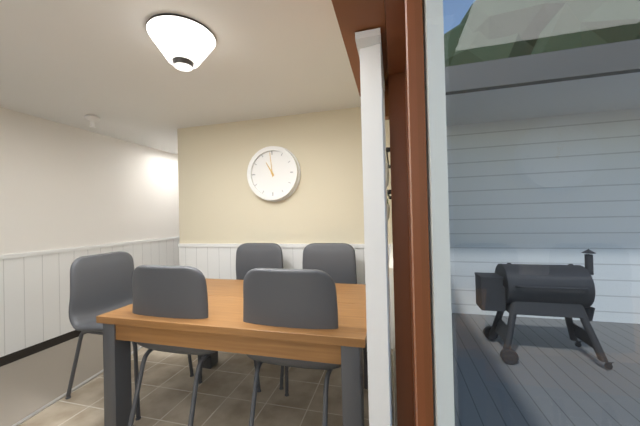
10:59
